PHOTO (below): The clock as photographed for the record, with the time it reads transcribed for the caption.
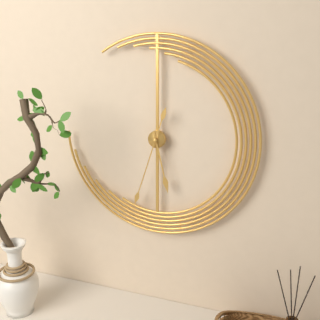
5:33
